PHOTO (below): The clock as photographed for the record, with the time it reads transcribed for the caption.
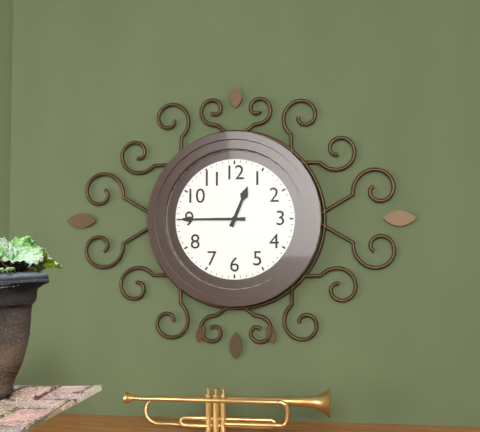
12:45
